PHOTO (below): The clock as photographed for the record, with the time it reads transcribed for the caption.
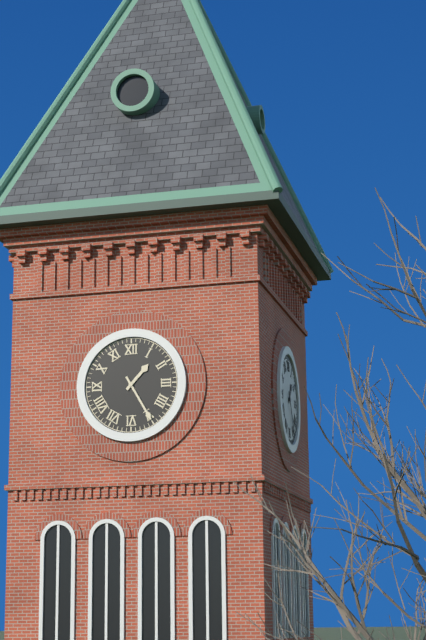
1:25
